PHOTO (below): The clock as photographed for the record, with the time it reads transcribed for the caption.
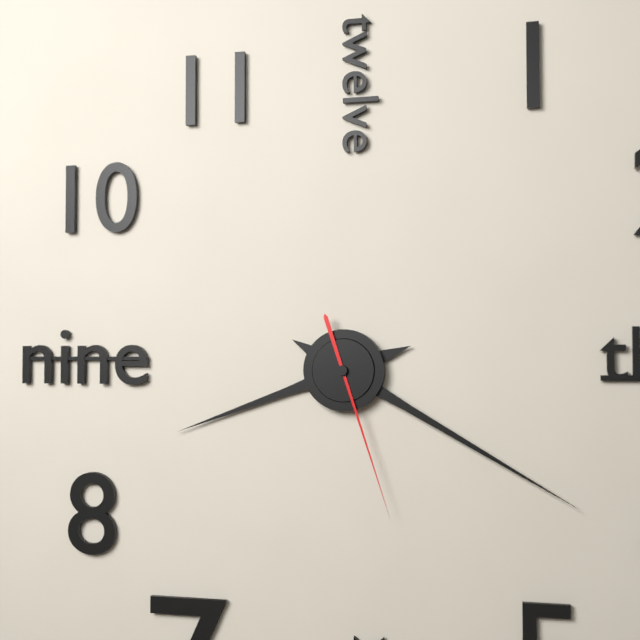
8:20:27
